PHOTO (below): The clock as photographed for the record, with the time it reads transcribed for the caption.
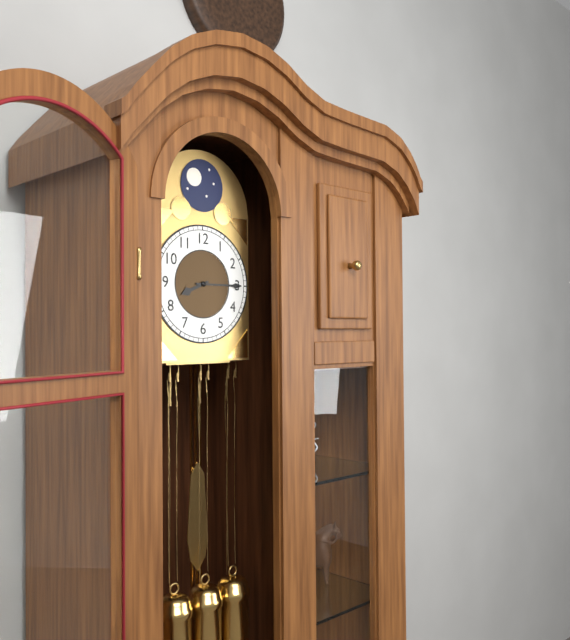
8:15
